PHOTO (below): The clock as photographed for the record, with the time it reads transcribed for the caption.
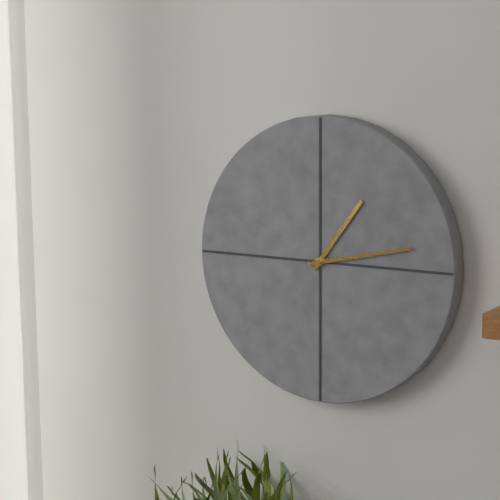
1:13
